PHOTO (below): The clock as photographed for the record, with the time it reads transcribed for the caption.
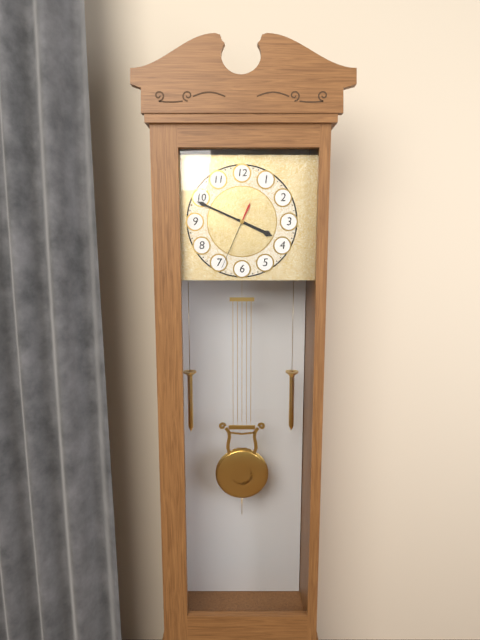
3:49:34
